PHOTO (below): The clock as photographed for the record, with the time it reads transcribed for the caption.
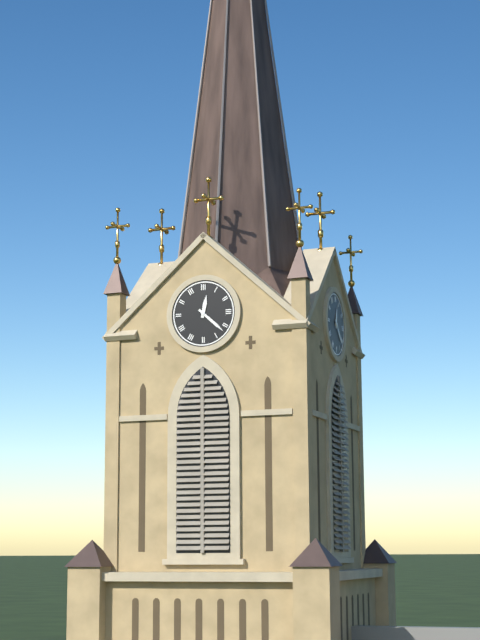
12:22
